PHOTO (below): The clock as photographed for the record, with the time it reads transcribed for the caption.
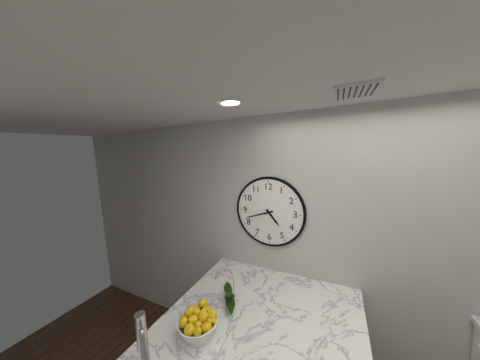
4:42
